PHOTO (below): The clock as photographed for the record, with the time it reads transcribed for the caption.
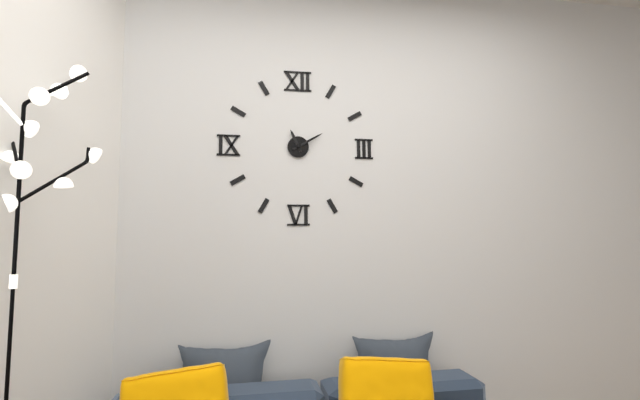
11:10
